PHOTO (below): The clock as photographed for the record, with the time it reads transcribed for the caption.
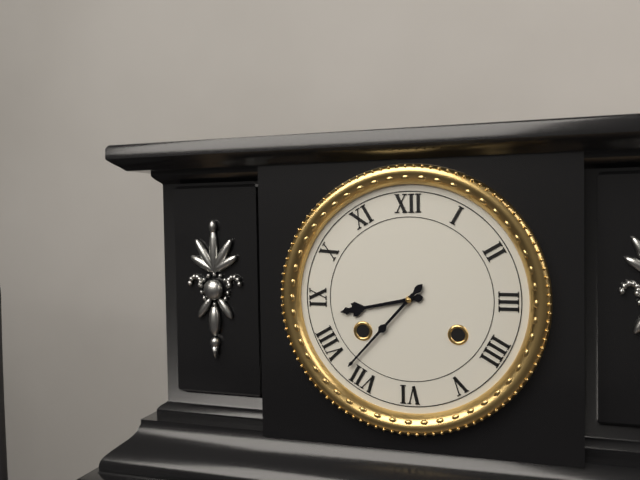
8:37
